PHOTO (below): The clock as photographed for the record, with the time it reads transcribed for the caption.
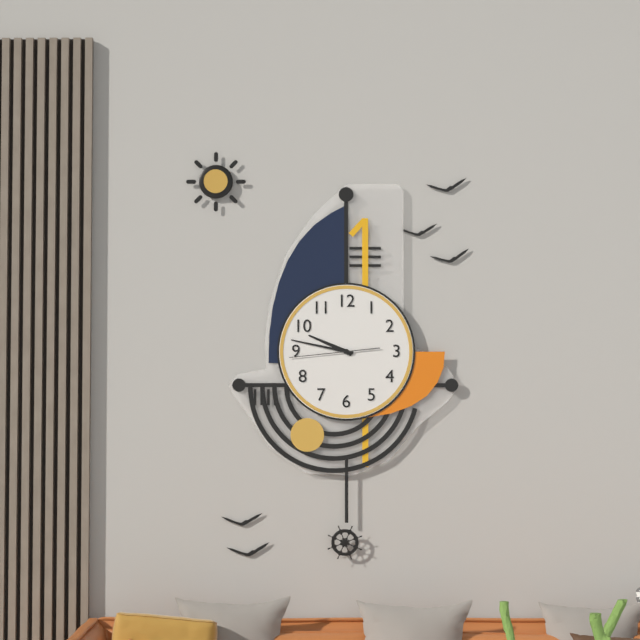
9:47:44
